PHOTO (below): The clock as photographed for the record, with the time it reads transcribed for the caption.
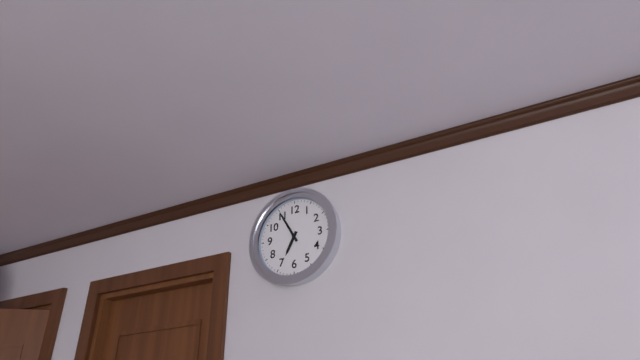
6:55
